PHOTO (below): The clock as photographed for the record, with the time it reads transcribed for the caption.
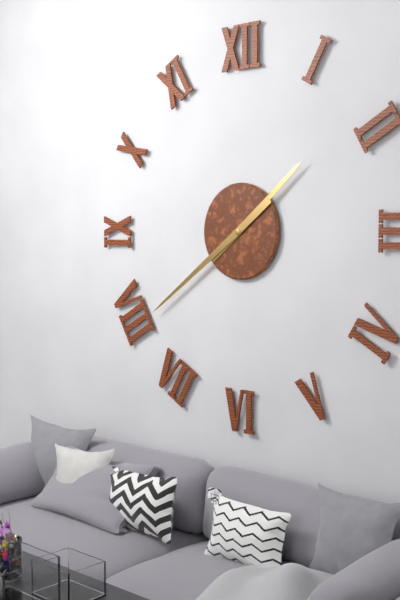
1:39
